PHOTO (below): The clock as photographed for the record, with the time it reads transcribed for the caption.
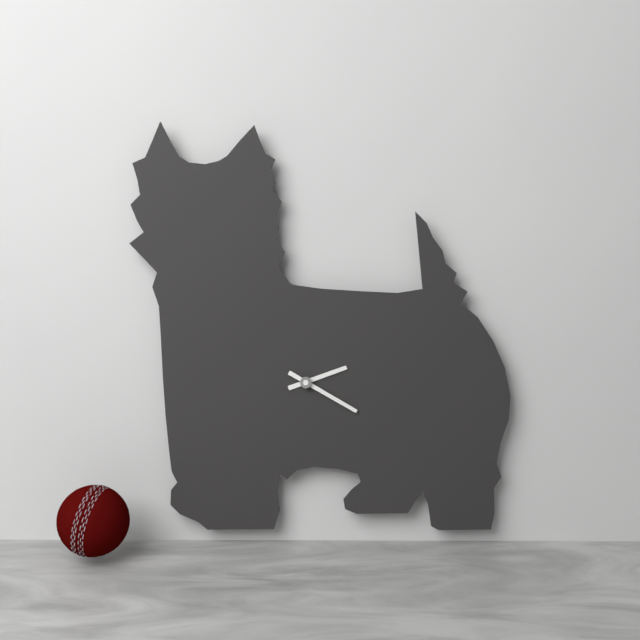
2:20
